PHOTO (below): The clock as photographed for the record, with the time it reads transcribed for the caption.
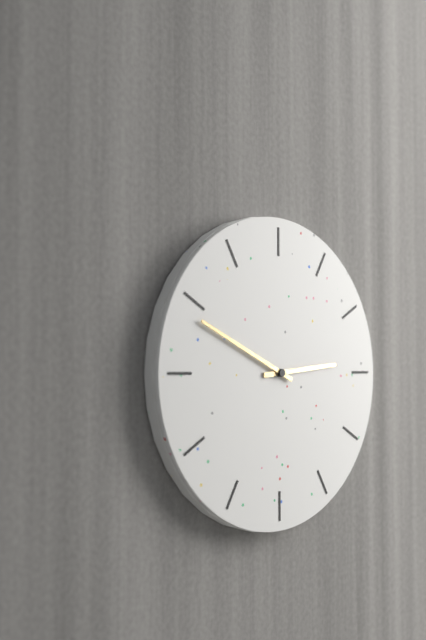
2:49
